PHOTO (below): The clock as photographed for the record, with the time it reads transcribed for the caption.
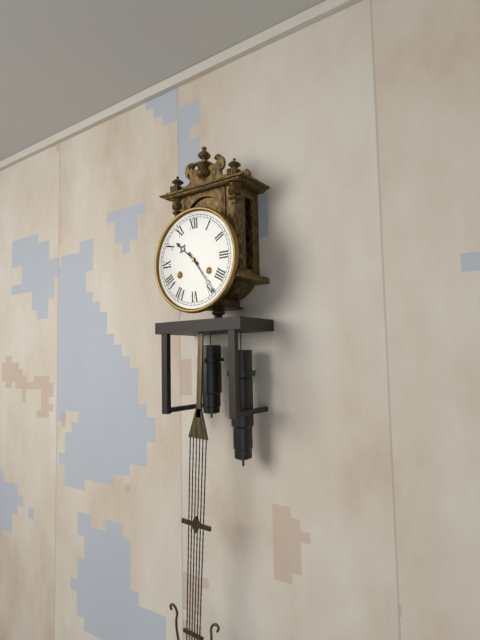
10:24
